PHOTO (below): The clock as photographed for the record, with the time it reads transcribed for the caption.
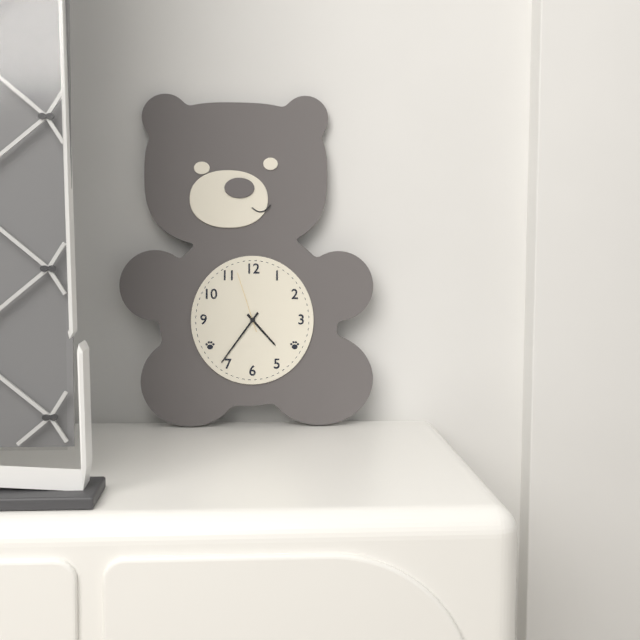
4:36:57
